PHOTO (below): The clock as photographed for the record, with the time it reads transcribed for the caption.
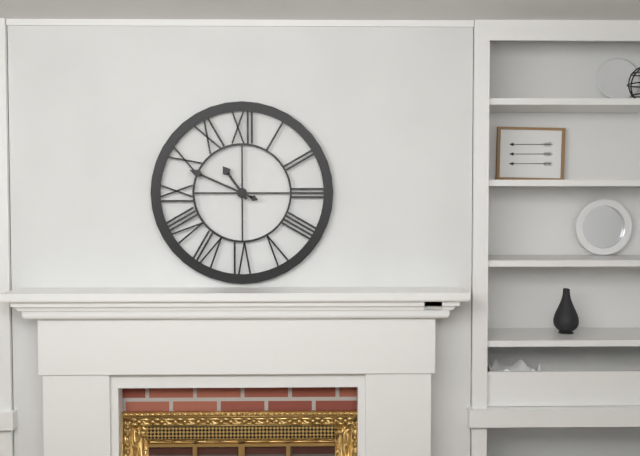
10:49
